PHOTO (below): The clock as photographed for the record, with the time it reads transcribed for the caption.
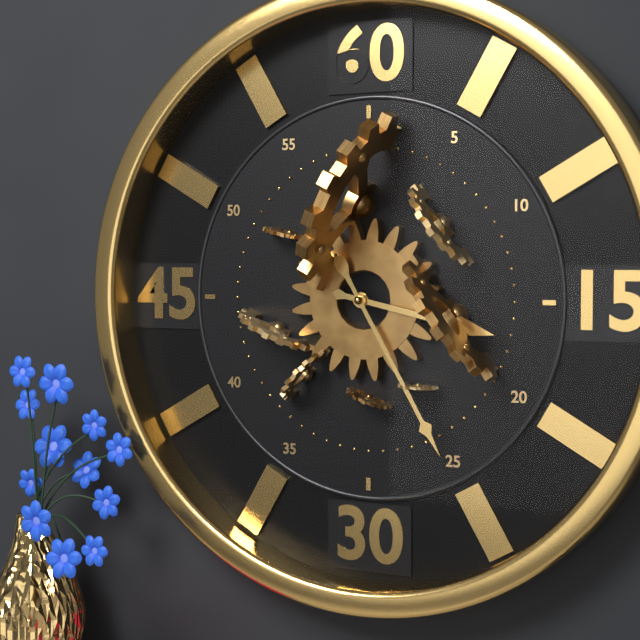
3:25
